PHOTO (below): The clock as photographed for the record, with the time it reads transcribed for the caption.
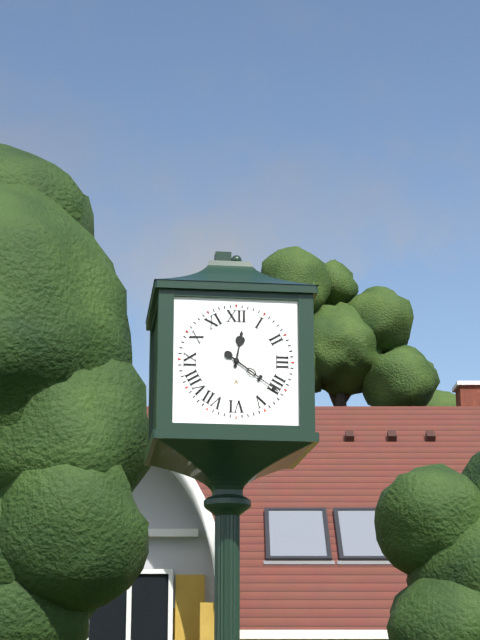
12:21
